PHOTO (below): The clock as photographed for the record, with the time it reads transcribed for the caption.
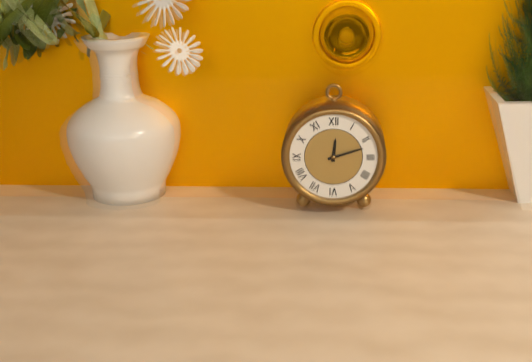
12:12
